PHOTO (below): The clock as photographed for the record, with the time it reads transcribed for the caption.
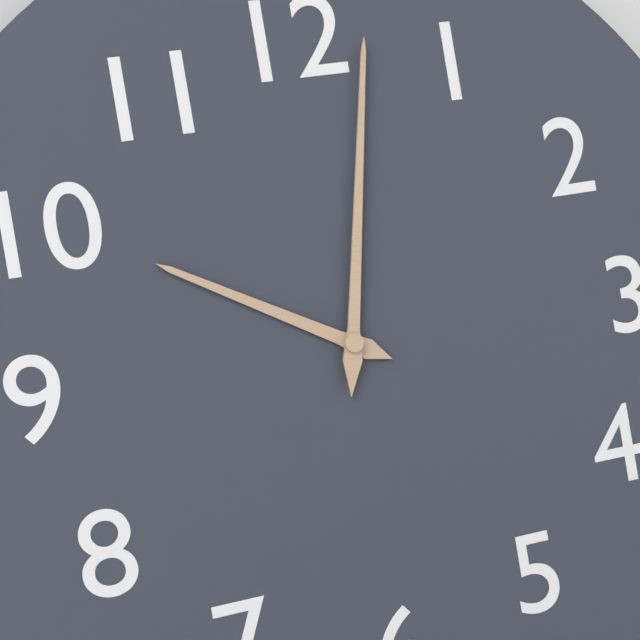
10:02
